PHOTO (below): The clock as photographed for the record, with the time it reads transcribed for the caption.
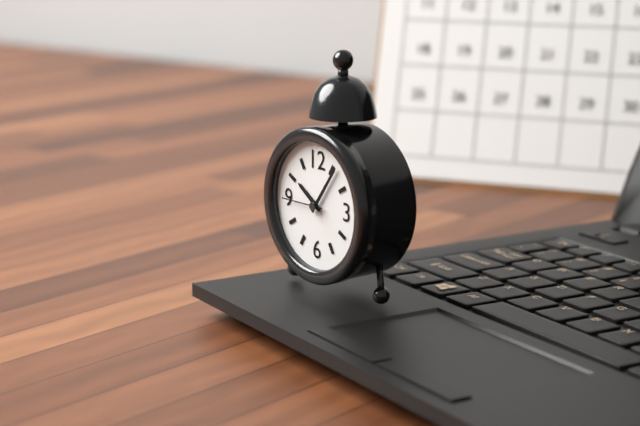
10:06
